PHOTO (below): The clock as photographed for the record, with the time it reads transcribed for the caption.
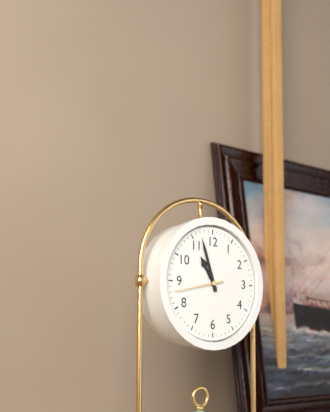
10:57
